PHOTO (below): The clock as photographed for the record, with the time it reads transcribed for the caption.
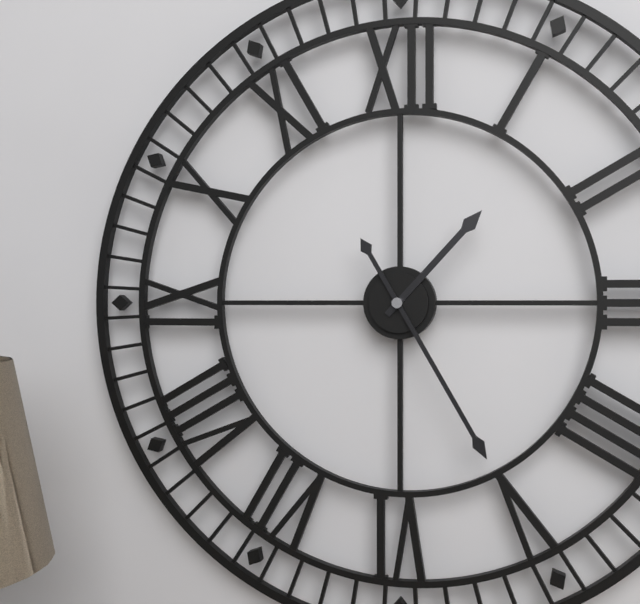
1:25
